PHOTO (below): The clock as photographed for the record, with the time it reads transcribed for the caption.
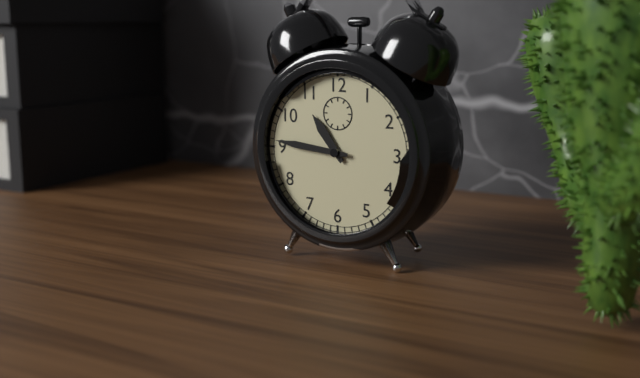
10:46
